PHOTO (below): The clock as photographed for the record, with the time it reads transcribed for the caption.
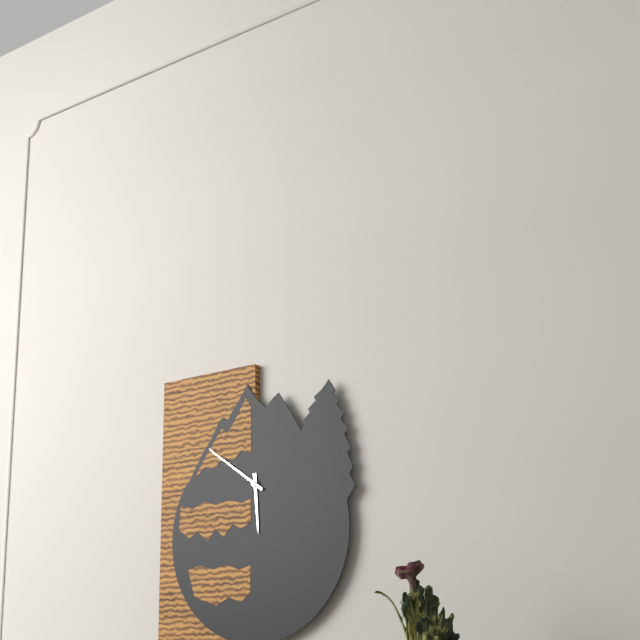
5:51
